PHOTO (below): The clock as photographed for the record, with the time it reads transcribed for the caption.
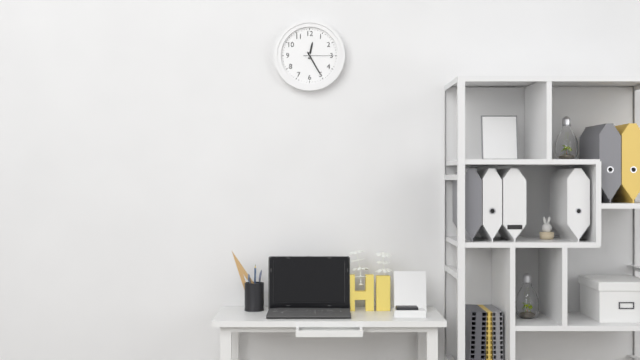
12:25
